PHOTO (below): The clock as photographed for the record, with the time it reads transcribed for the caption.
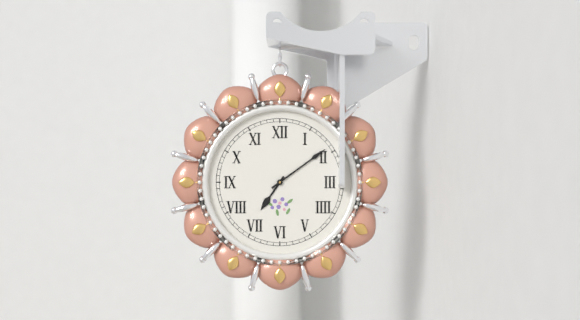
7:09
